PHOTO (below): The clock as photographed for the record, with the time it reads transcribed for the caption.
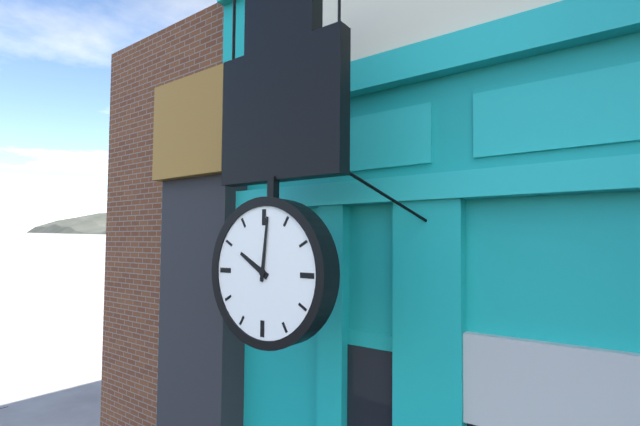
10:01
